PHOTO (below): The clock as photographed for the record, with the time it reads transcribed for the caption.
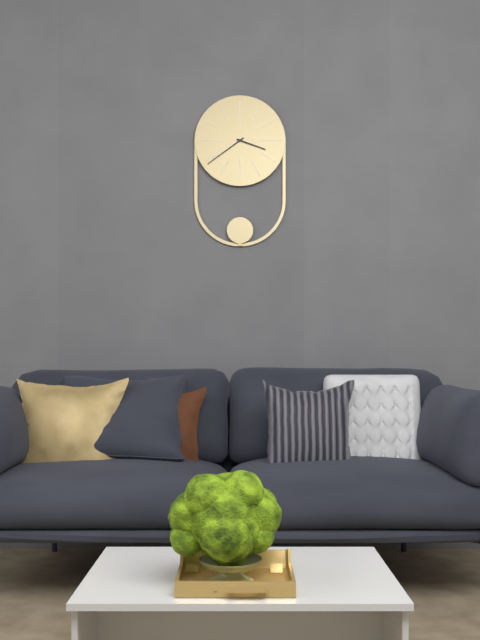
3:39
